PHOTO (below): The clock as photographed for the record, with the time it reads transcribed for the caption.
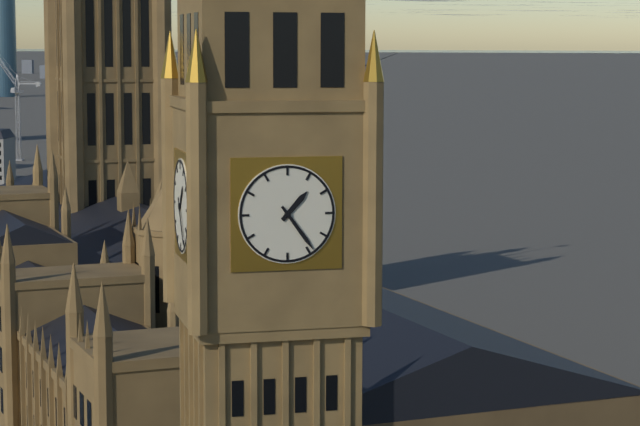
1:24
